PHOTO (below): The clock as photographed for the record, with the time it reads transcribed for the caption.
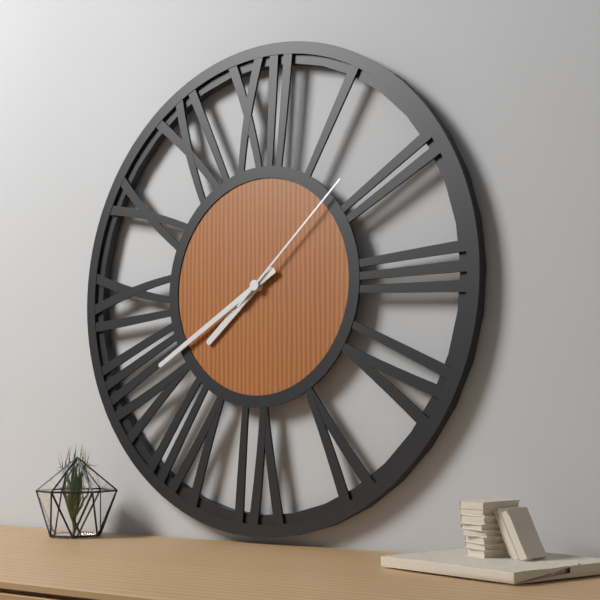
7:40:08
